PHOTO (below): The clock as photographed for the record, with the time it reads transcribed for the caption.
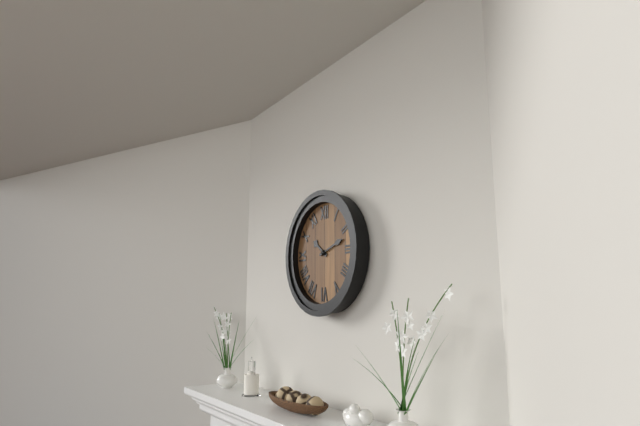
10:12
